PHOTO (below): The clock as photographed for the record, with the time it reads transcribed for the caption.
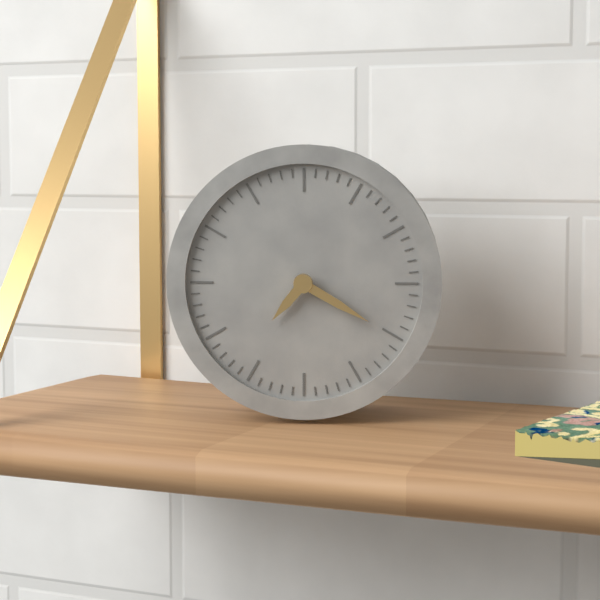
7:20
